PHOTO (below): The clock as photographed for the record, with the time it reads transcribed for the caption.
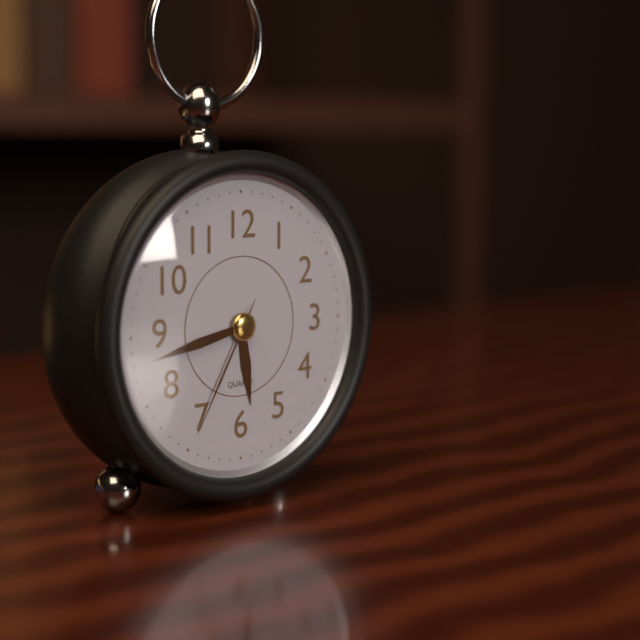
5:43:35
